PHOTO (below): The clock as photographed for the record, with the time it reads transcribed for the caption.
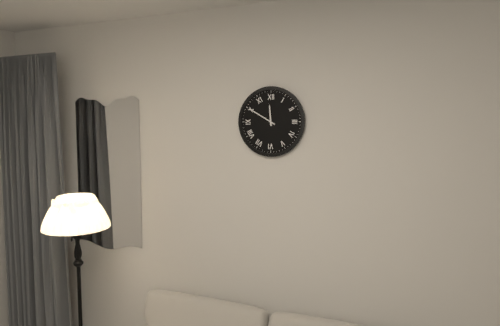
11:50
